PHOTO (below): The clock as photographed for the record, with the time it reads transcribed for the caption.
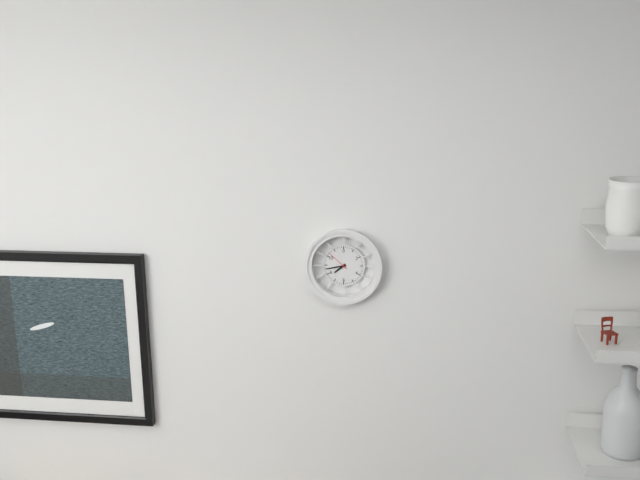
7:43
